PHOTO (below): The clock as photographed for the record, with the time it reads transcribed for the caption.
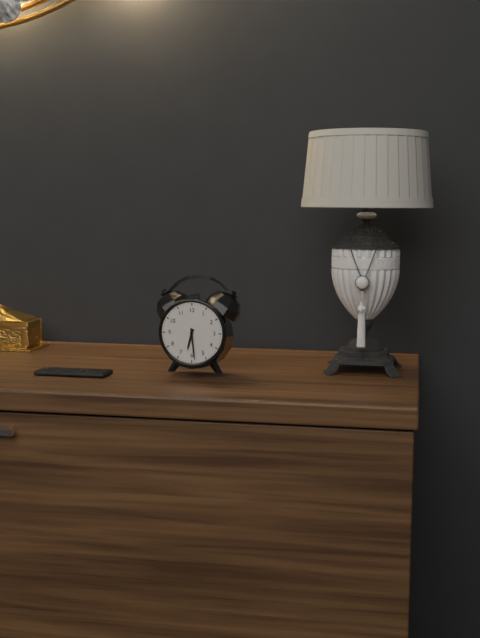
6:29
